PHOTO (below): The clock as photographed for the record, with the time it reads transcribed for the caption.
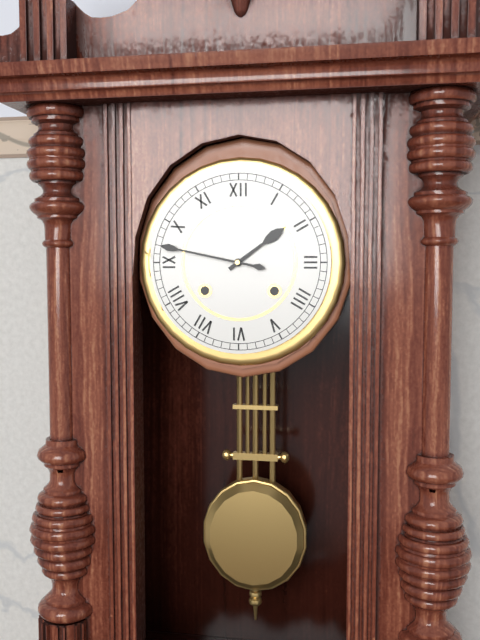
1:47
